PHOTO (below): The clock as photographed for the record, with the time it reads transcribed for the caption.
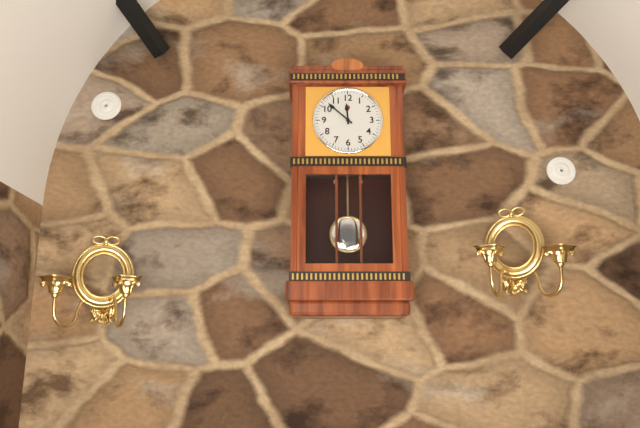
11:52
